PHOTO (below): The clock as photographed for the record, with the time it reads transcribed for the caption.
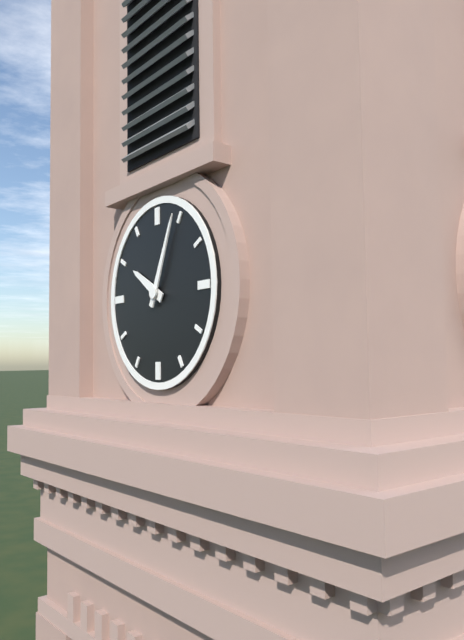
10:04
